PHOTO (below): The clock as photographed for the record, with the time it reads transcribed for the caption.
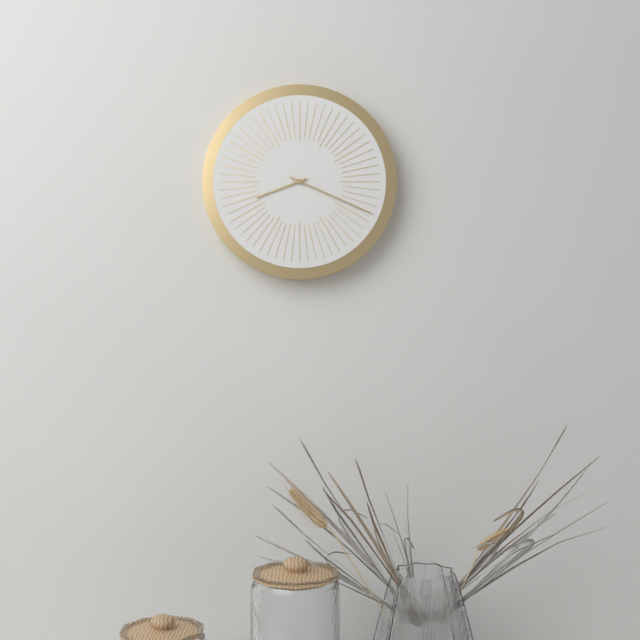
8:19
